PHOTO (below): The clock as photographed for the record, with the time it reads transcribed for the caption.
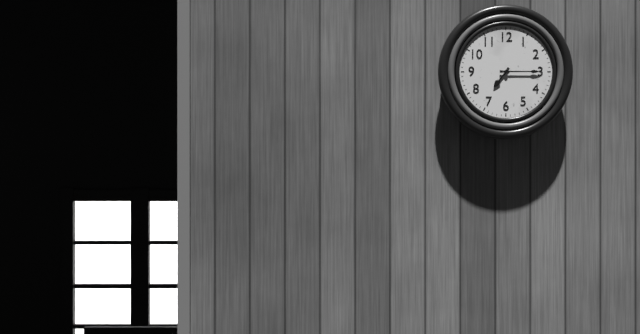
7:15
